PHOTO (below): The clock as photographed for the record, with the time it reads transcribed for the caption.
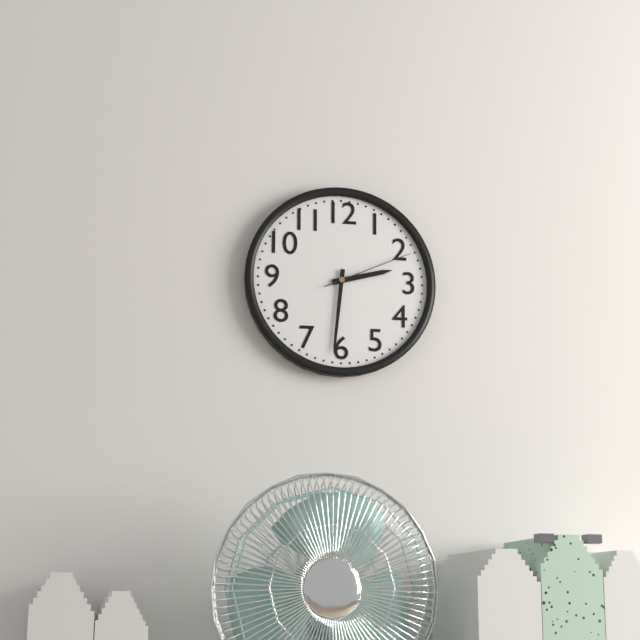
2:31:11
